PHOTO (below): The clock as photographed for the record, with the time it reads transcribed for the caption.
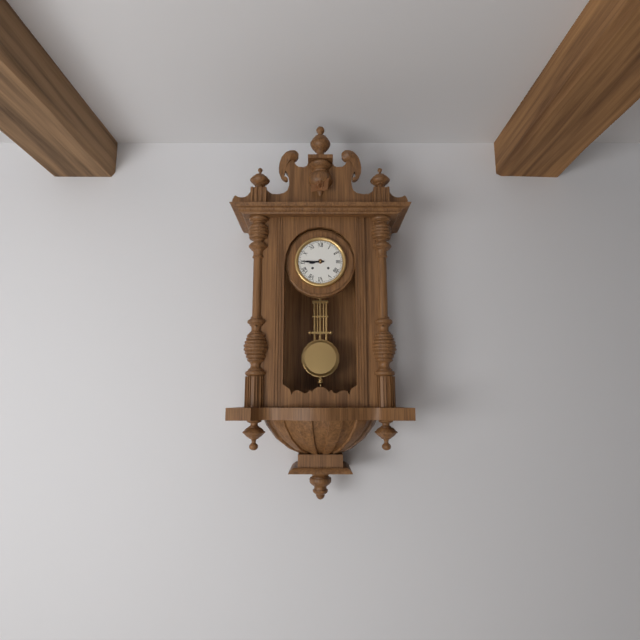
8:45
